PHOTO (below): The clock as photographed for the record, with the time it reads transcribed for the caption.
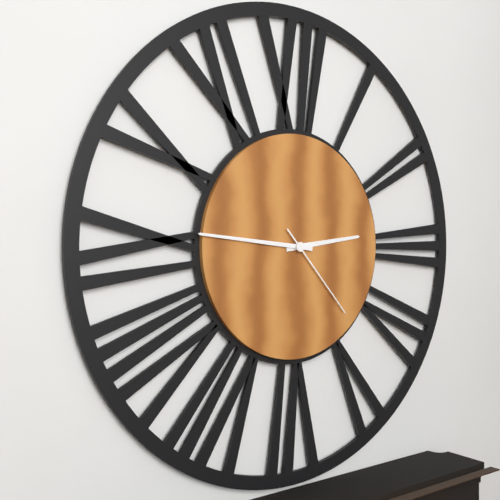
2:46:23
